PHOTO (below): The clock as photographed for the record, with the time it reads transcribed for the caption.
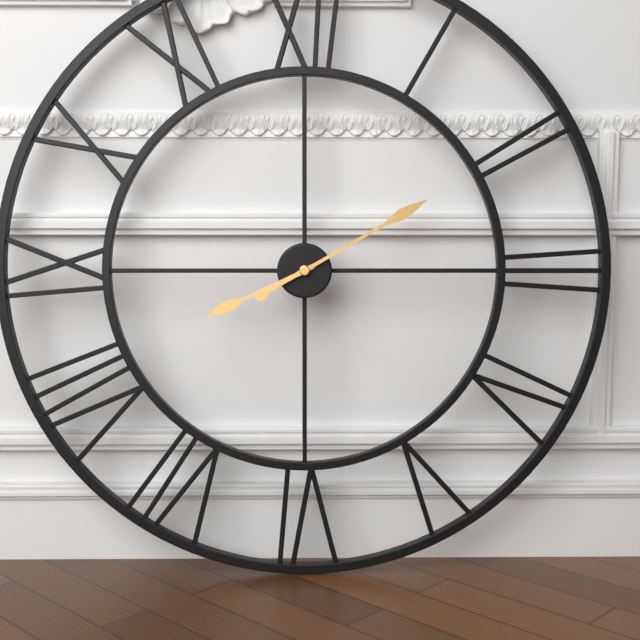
8:10
